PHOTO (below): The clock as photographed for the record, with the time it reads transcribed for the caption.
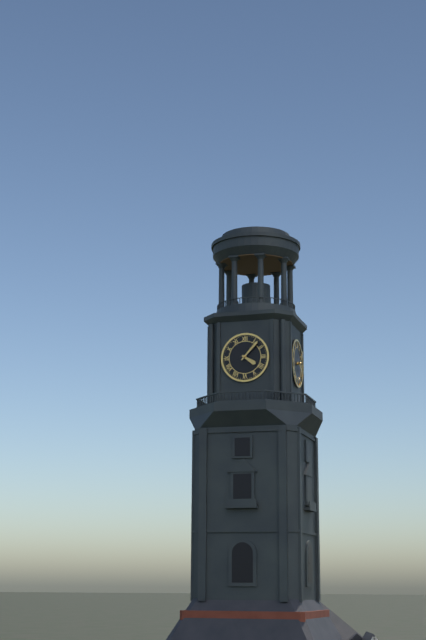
4:07
